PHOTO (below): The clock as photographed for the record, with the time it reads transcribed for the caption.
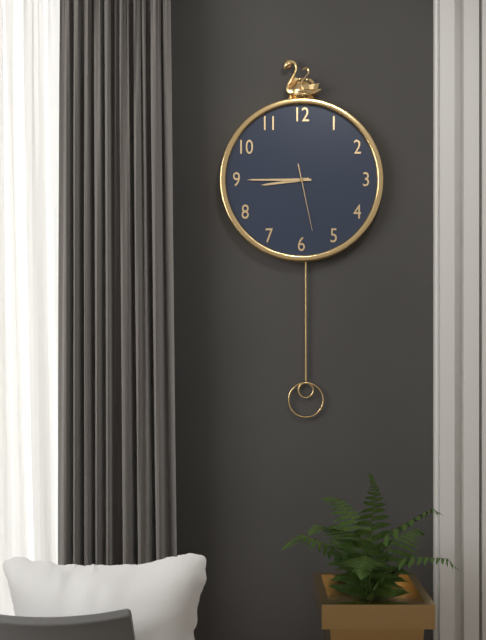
8:45:28
